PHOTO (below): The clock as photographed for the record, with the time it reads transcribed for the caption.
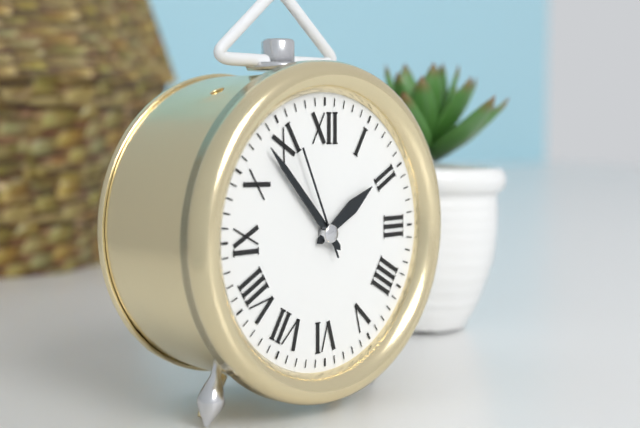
1:53:56
